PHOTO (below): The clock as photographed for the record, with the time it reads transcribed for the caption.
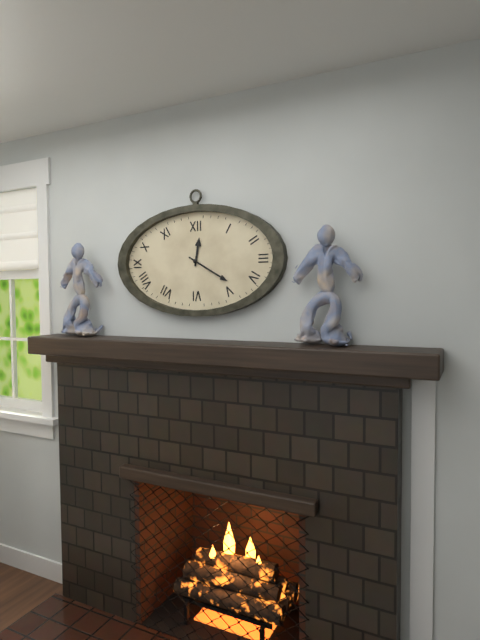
12:20
